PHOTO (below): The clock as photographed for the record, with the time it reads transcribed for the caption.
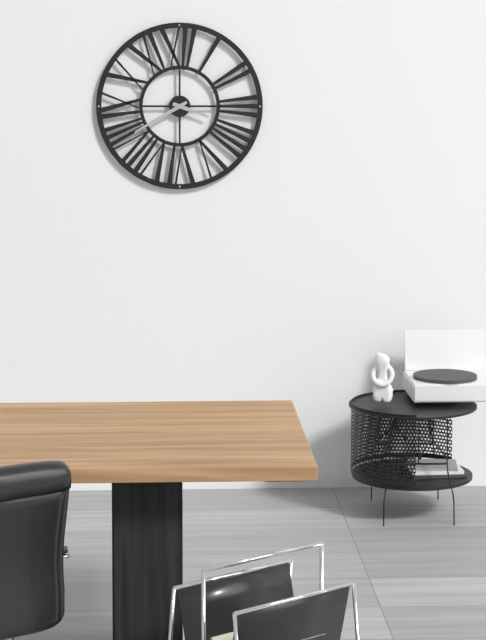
3:40
